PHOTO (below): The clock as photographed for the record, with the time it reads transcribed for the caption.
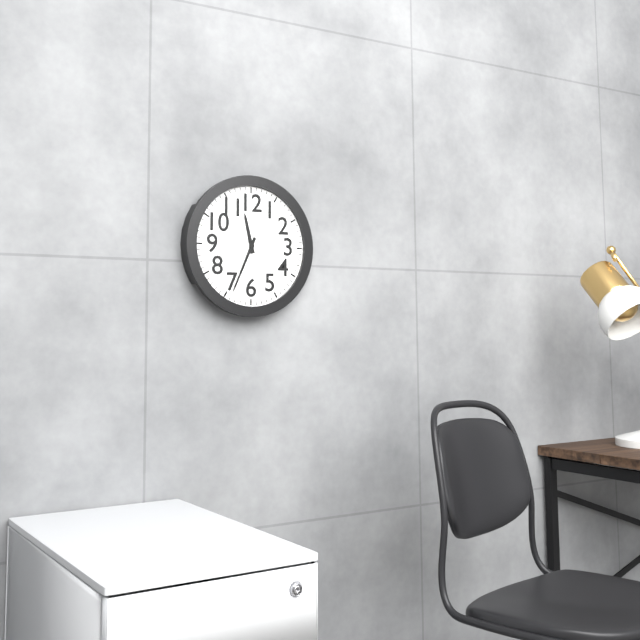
11:34
